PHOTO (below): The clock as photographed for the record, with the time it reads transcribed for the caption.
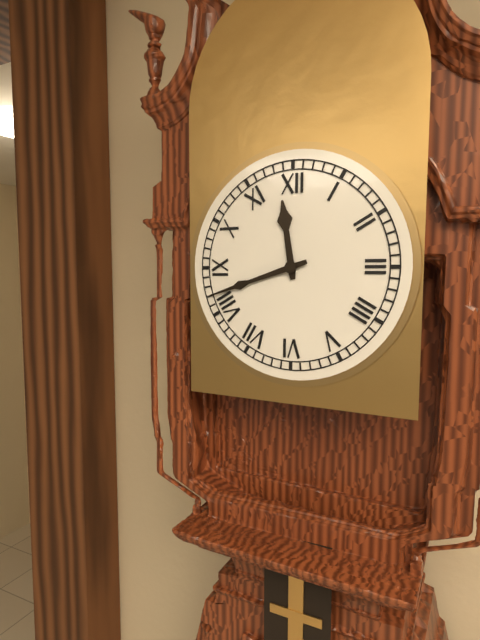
11:42
